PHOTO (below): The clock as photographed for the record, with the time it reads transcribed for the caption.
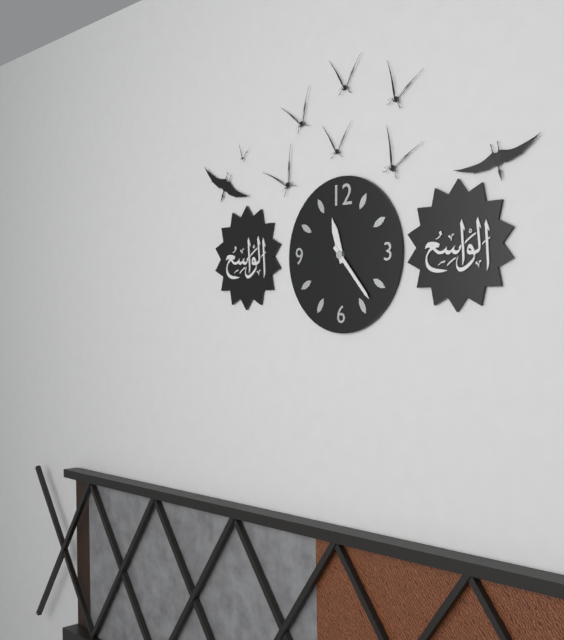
11:23
